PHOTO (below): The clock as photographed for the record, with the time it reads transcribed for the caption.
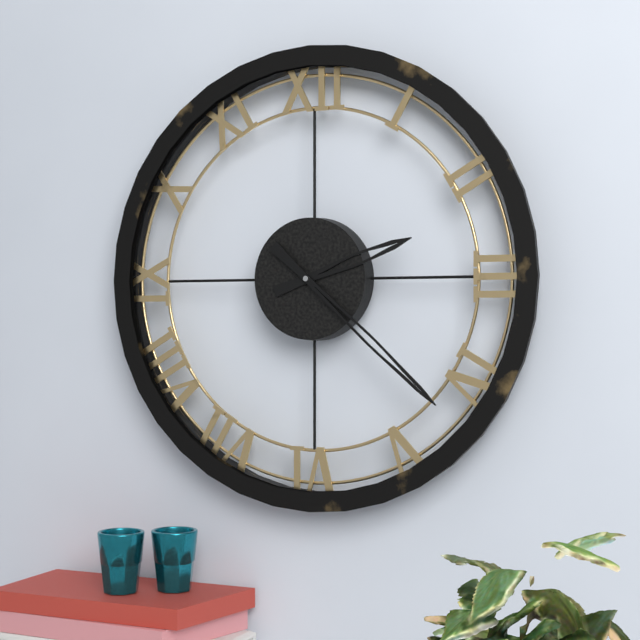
2:22
